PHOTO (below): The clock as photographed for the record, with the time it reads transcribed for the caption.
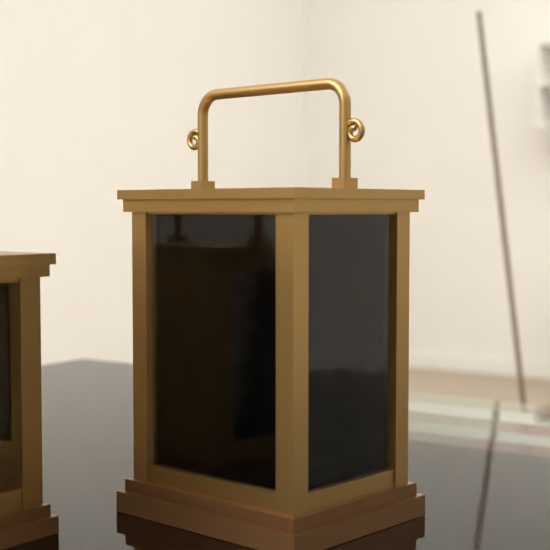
10:18
